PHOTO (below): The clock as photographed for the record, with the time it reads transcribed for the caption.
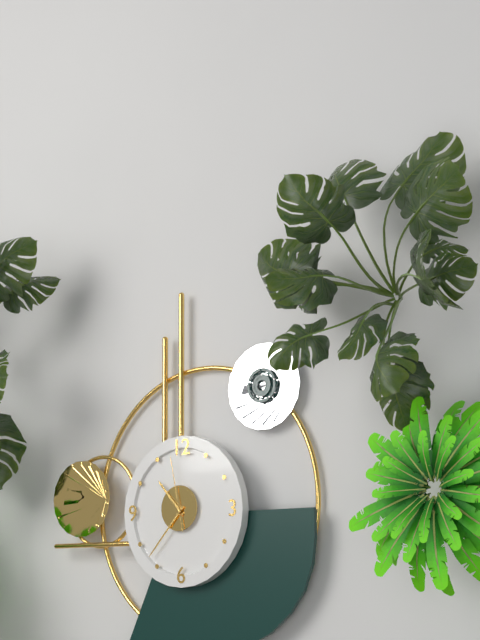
10:37:58
